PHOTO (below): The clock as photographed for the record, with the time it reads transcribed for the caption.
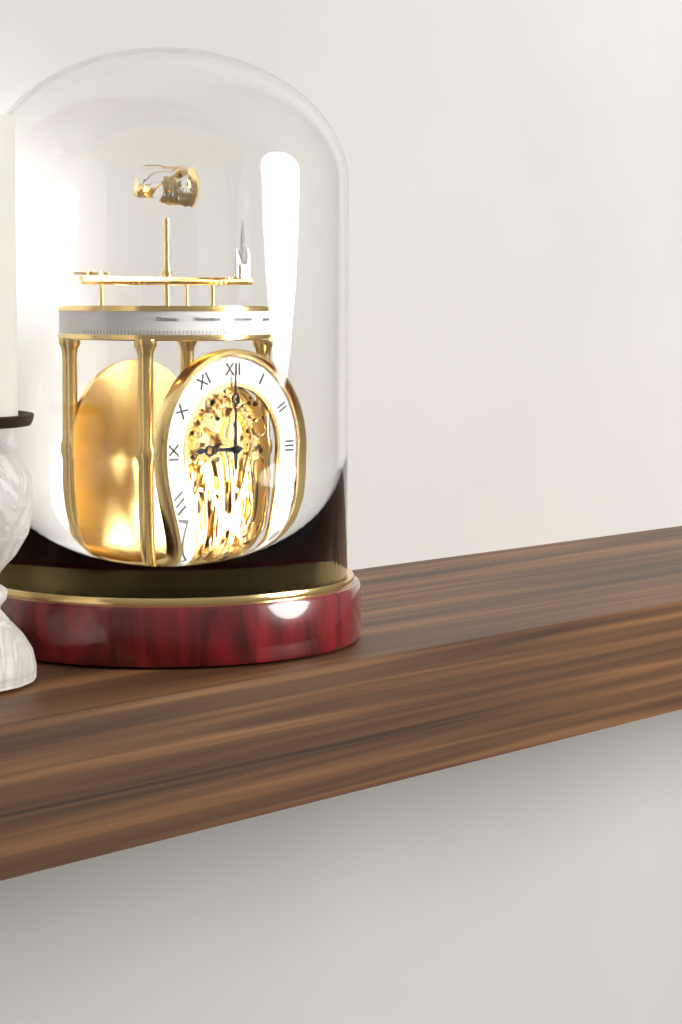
9:00
